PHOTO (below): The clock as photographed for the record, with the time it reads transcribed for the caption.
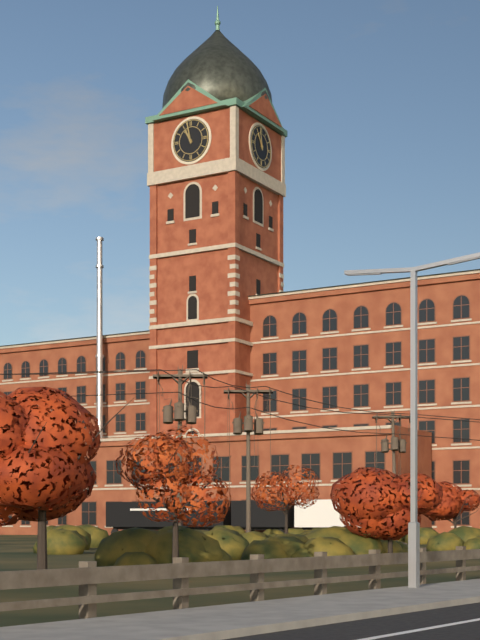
10:58
